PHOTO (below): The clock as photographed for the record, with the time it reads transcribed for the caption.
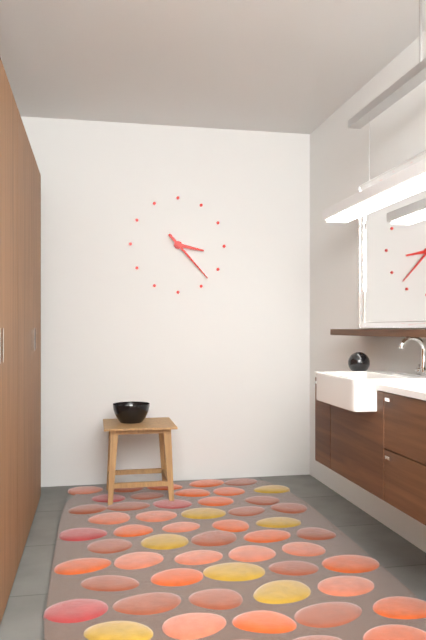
3:23
